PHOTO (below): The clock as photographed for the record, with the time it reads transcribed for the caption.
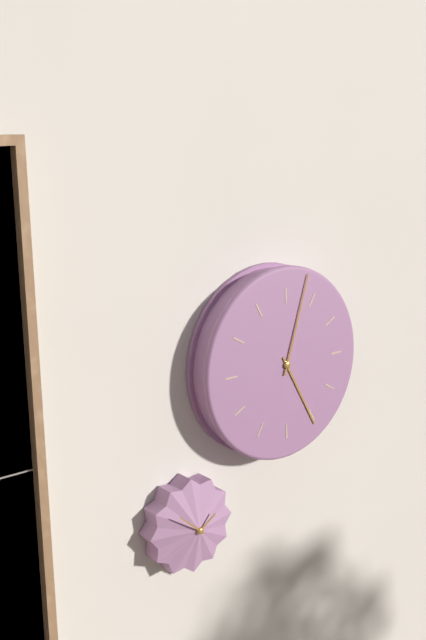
5:03
